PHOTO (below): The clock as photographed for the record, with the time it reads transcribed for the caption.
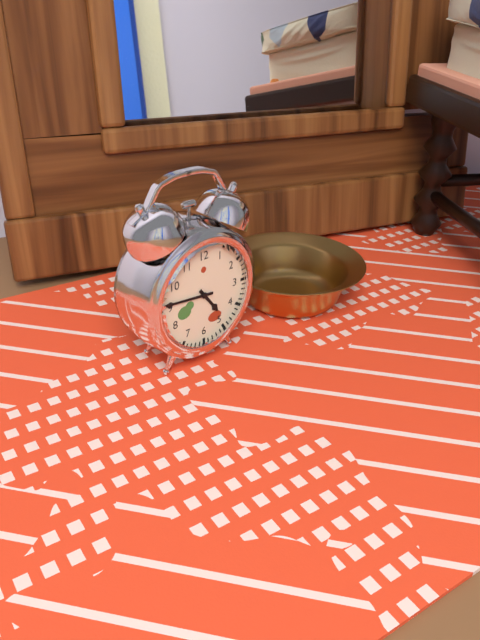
4:46
